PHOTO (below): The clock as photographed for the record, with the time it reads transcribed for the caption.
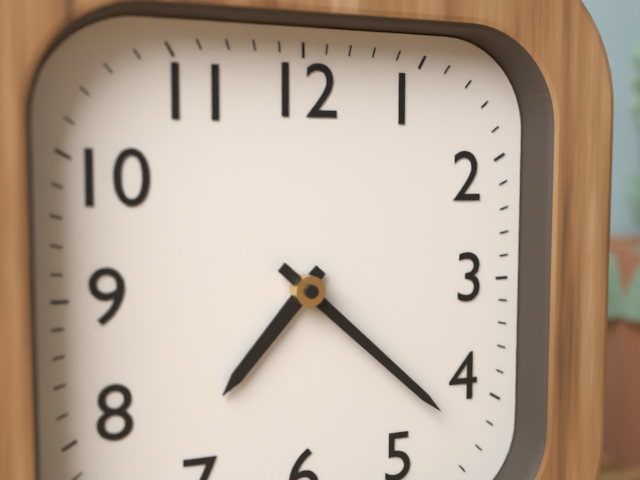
7:22
